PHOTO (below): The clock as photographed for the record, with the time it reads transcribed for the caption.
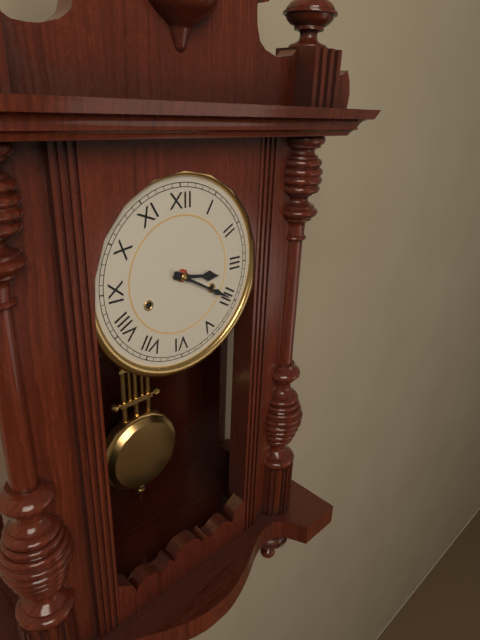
3:20
